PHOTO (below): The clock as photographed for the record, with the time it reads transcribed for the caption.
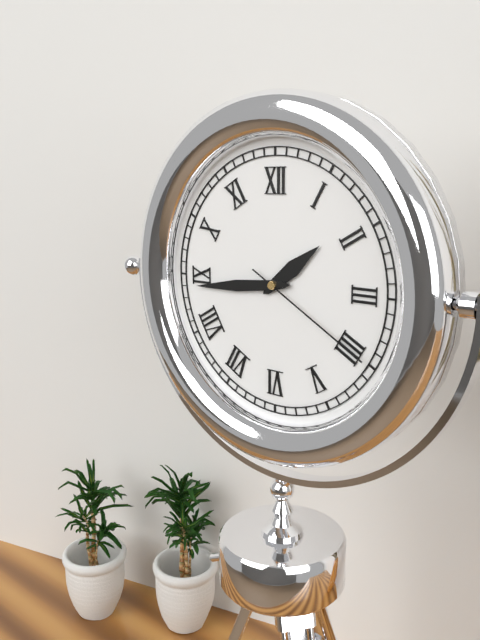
1:44:20
